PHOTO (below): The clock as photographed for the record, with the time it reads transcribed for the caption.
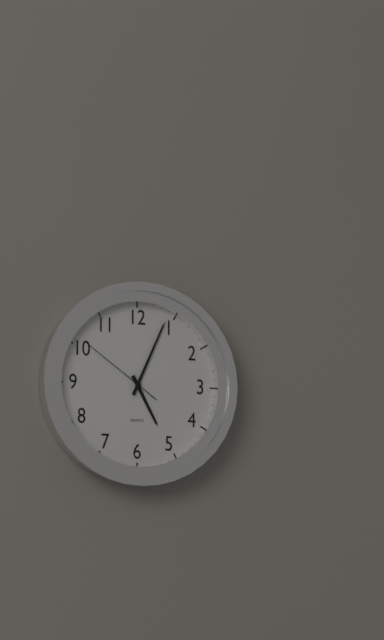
5:04:51
